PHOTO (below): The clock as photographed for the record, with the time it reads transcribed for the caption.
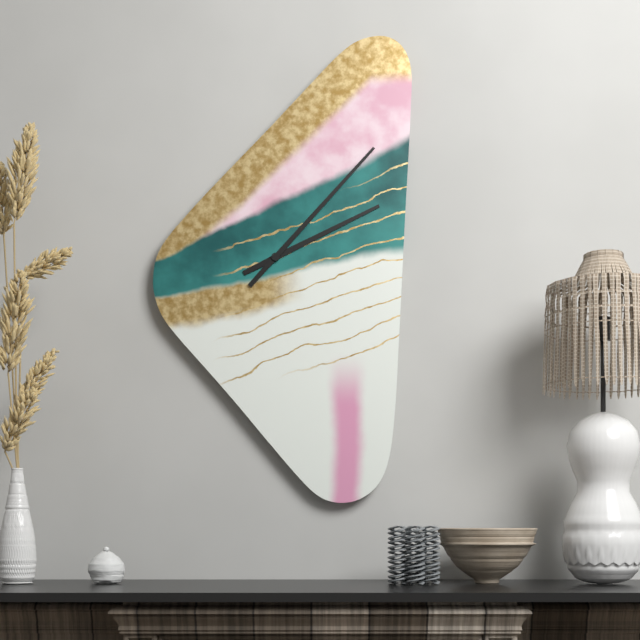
2:07
